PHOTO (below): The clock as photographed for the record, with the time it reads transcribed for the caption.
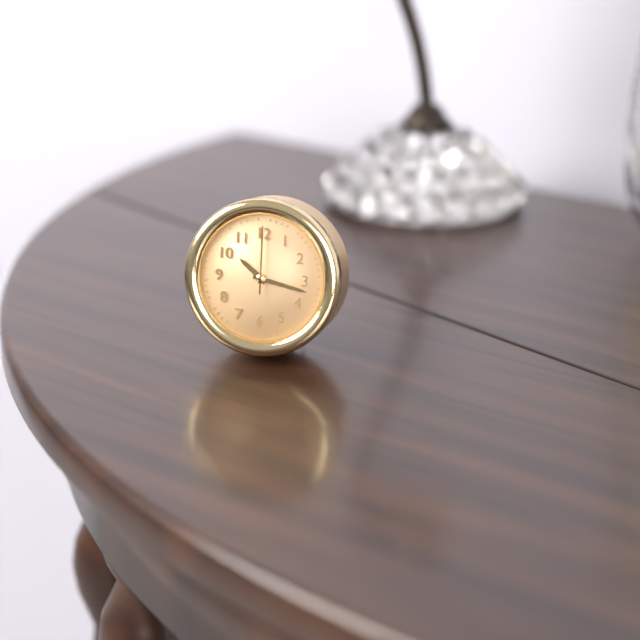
10:17:00
